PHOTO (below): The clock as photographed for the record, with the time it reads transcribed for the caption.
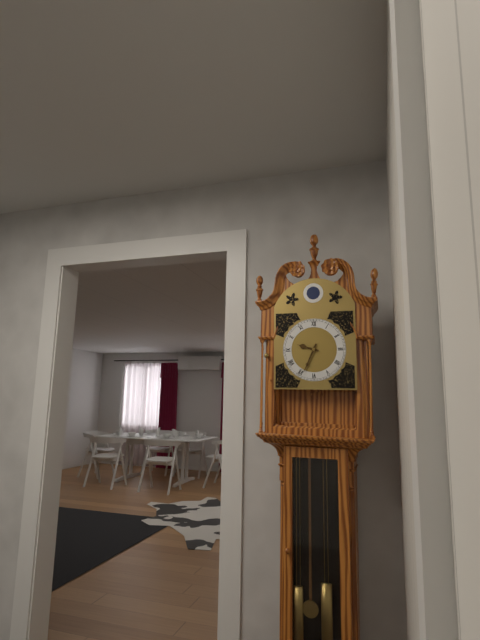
9:34
